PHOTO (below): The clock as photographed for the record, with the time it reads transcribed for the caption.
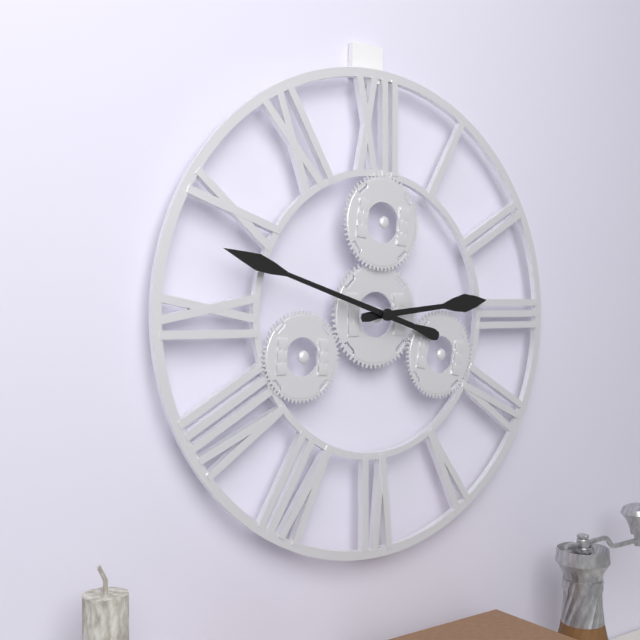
2:48
